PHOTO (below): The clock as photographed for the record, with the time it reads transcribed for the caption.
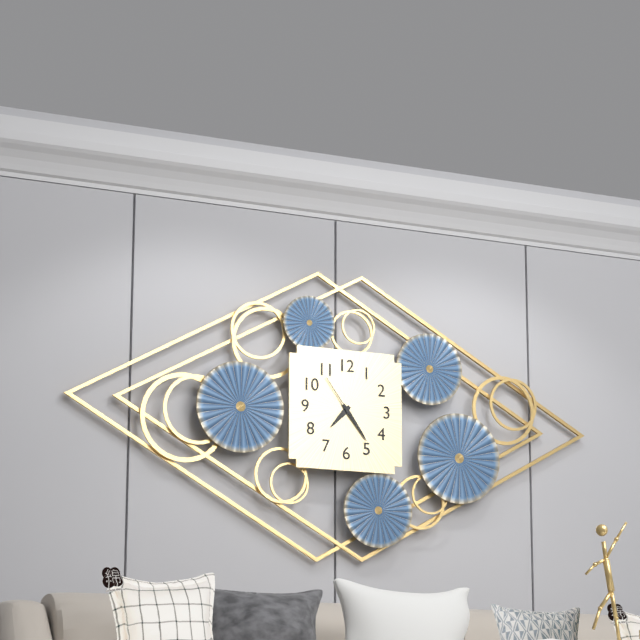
7:24
